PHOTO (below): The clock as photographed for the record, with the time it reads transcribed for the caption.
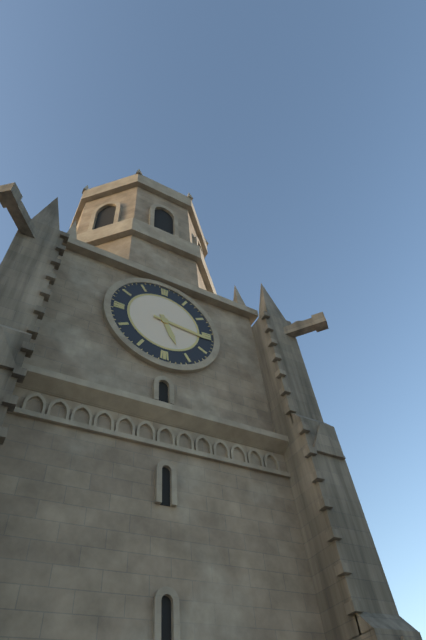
5:16
